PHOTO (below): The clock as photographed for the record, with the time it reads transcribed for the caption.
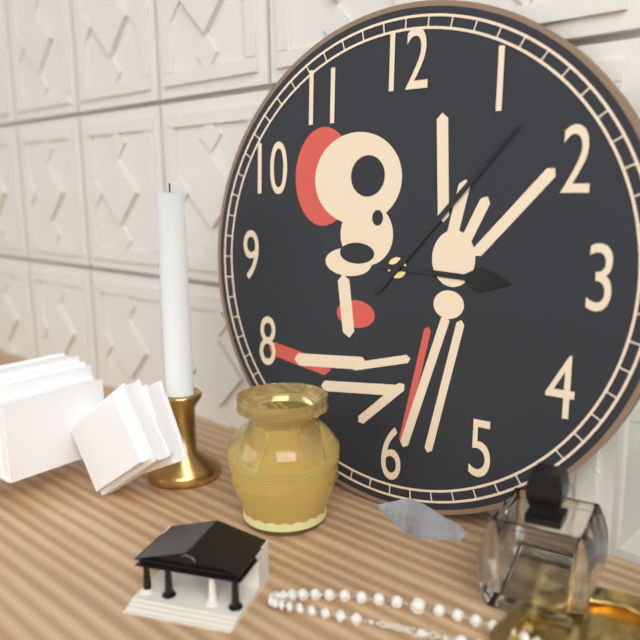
3:07
